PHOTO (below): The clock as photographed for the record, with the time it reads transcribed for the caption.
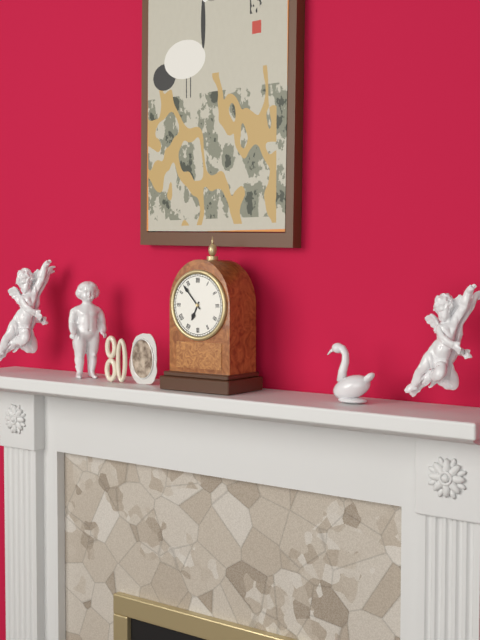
6:53
